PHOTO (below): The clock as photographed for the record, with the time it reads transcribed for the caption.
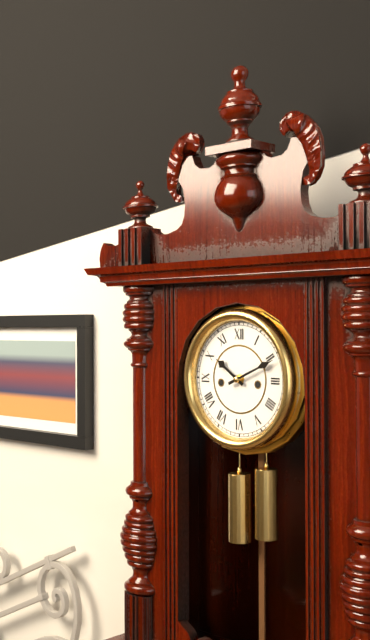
10:11
